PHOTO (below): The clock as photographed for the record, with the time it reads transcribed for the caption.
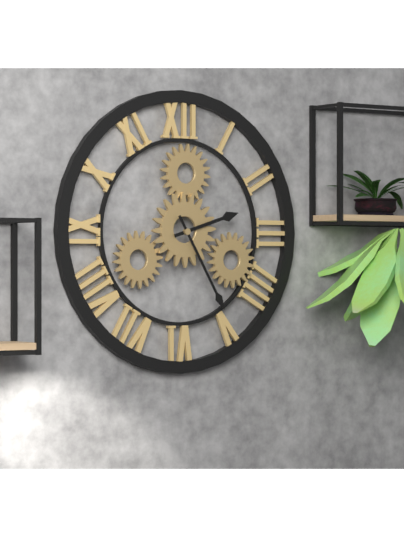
2:25
